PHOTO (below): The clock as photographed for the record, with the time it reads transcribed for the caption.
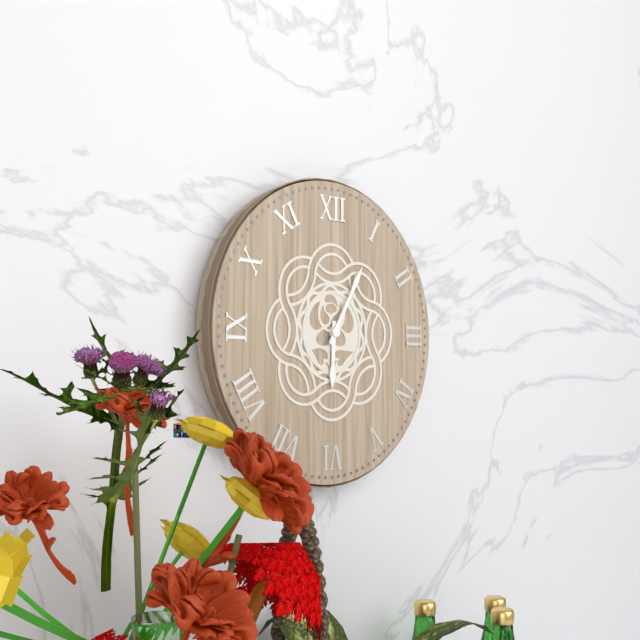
6:05
